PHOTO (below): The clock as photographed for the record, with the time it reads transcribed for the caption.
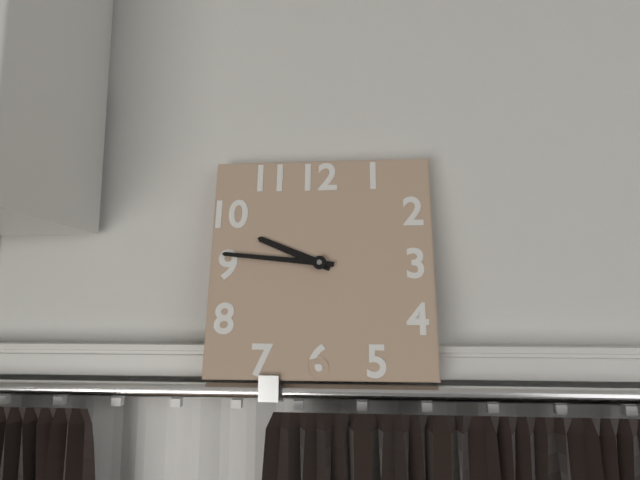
9:46
